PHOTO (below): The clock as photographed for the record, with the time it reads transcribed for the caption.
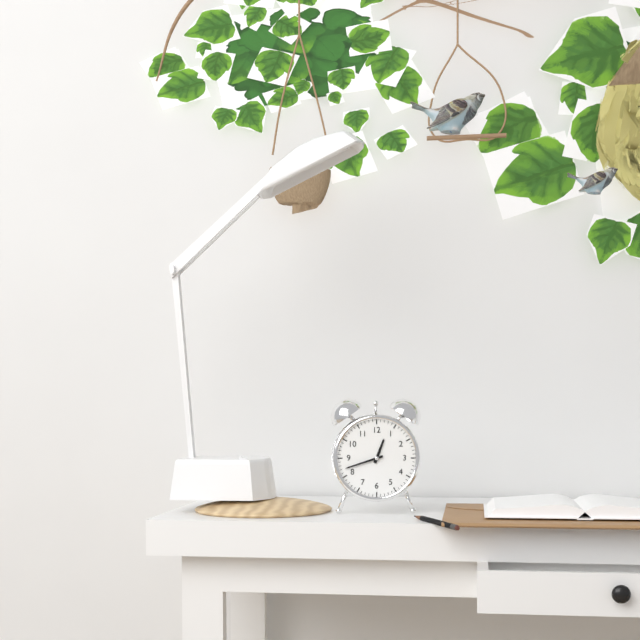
12:42
